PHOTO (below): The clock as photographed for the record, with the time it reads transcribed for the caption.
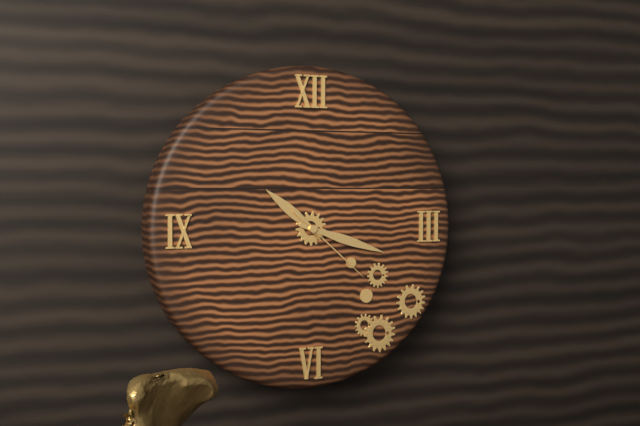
10:18:22
